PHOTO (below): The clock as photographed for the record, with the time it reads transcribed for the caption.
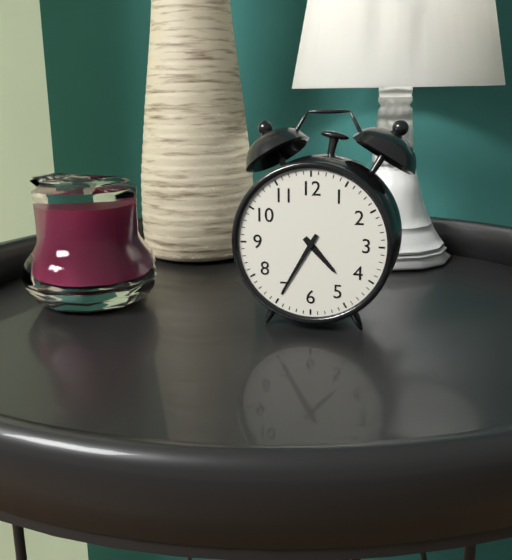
4:35
